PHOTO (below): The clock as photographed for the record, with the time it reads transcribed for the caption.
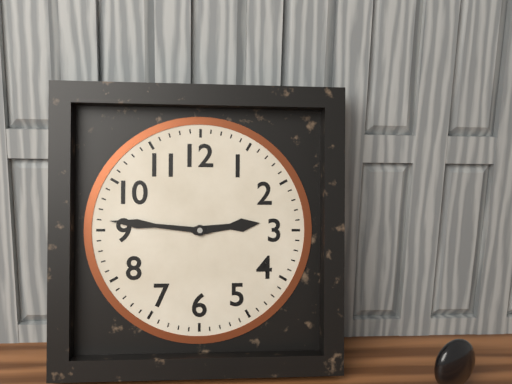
2:46
